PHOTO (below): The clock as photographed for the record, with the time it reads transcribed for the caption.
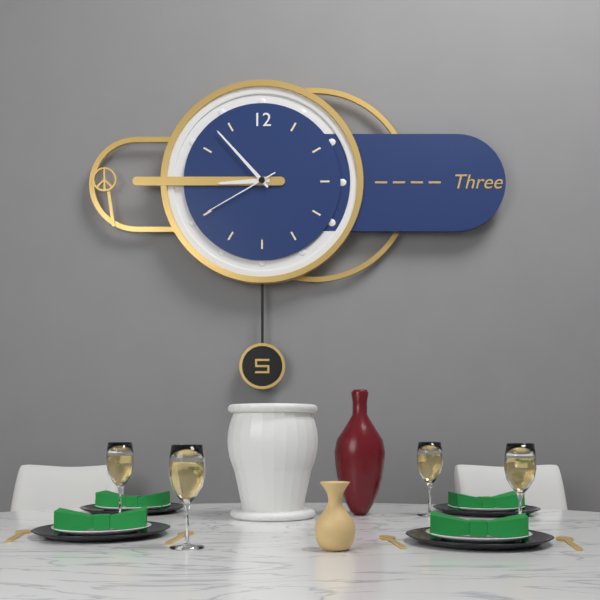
8:53:40
